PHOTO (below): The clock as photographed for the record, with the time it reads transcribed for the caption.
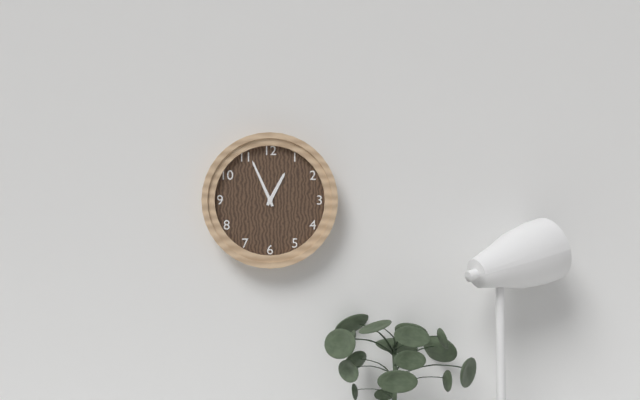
12:56
